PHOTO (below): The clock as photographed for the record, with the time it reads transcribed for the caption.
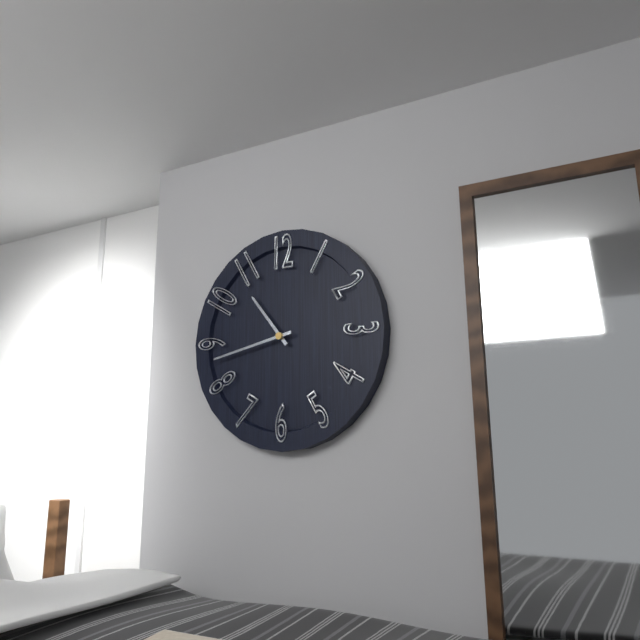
10:43
